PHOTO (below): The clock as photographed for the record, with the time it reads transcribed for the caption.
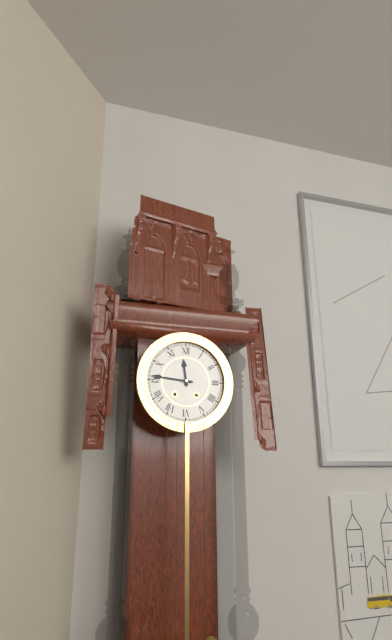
11:46
